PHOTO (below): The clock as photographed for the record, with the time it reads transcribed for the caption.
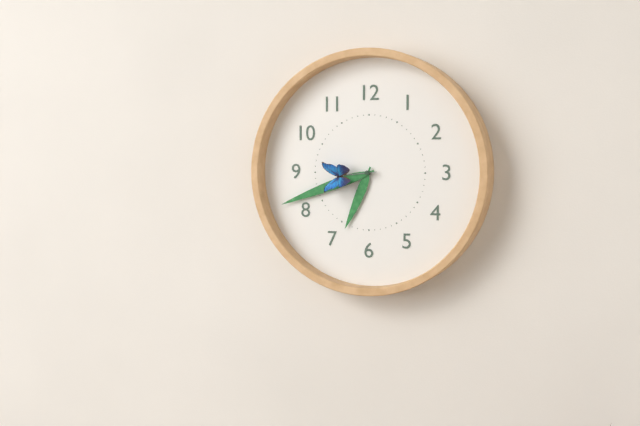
6:42:44
